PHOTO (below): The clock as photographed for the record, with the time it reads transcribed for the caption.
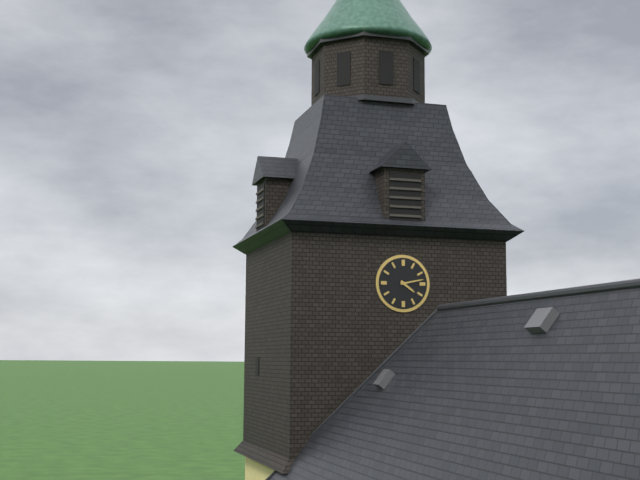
4:13
